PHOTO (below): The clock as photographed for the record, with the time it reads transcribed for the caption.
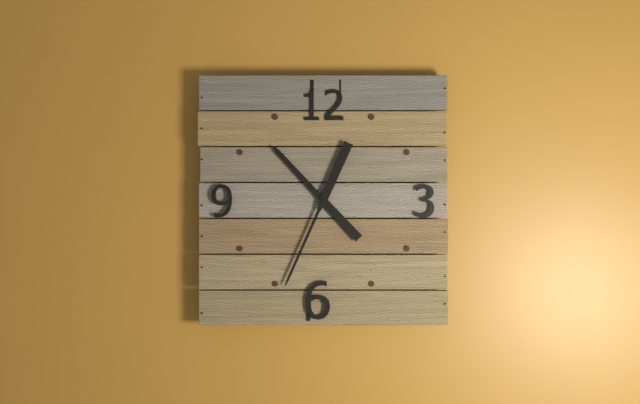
10:34
